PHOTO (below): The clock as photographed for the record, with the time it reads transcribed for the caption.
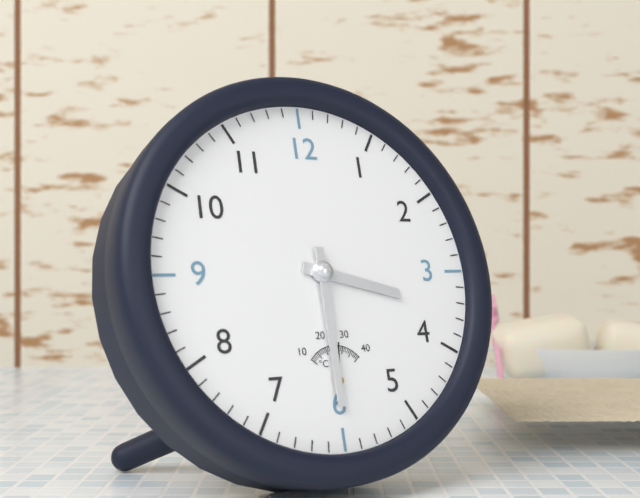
3:30
